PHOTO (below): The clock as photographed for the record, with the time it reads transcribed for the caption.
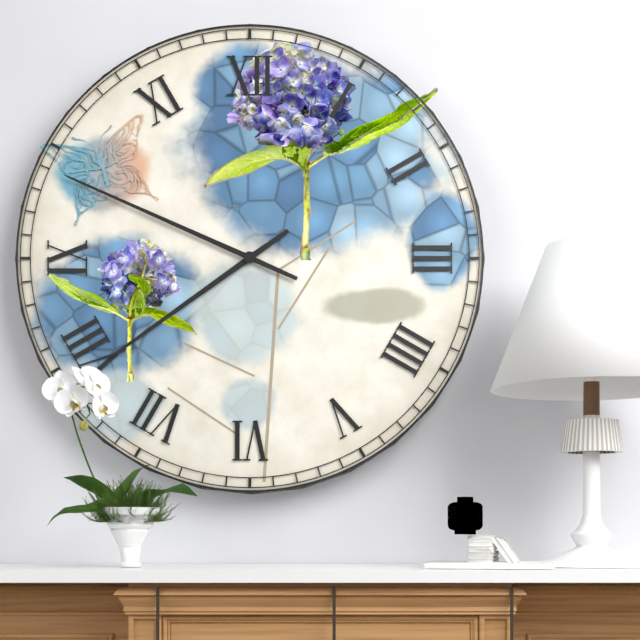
7:49
